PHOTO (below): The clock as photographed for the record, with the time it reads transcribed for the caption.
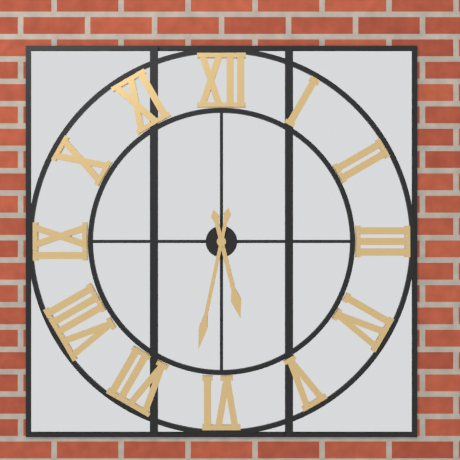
5:32
